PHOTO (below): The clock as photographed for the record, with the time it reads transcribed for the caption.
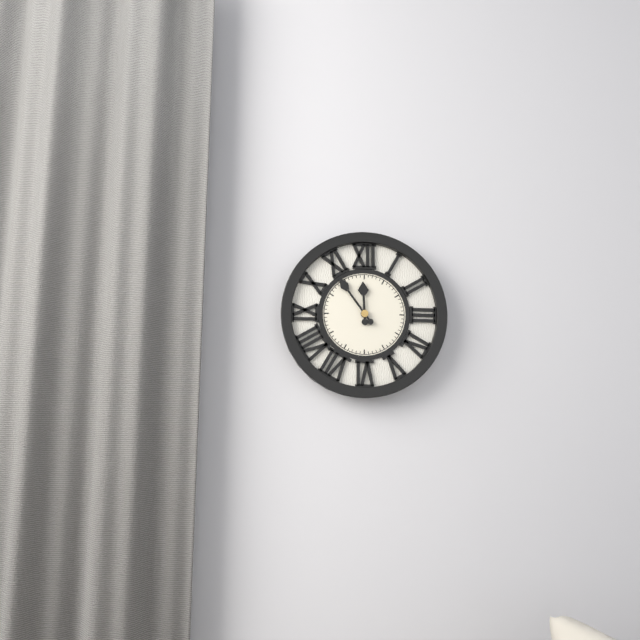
11:54
